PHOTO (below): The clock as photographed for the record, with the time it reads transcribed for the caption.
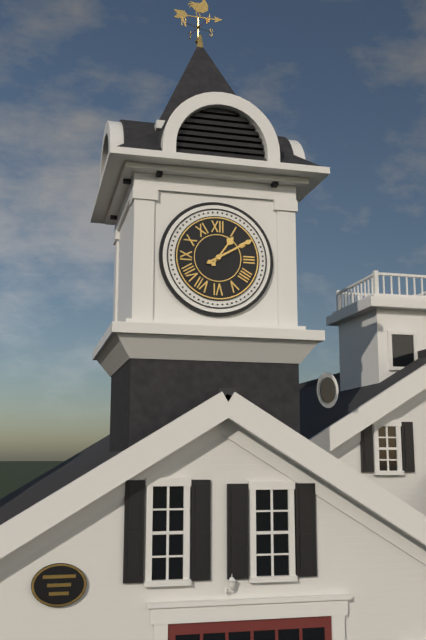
1:10
